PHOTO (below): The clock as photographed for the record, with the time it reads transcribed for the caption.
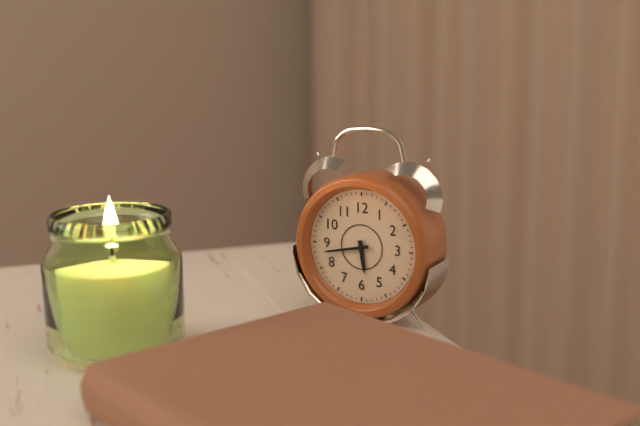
5:43
